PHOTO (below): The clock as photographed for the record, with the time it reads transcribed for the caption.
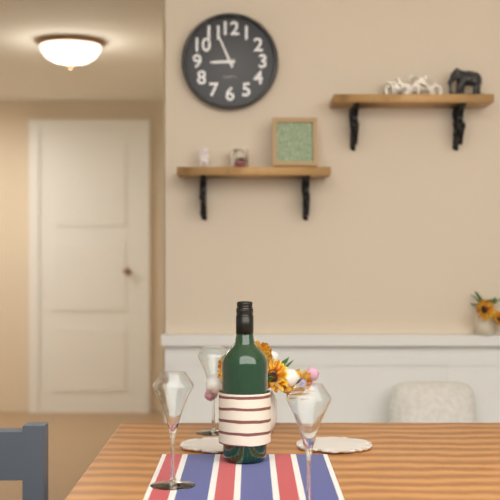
8:56
